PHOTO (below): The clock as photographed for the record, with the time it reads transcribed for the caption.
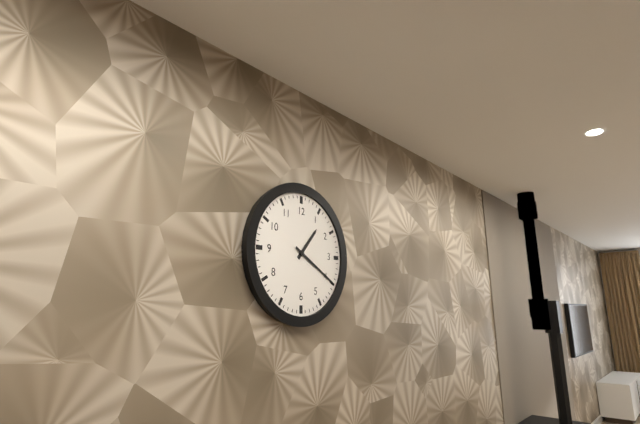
1:20
